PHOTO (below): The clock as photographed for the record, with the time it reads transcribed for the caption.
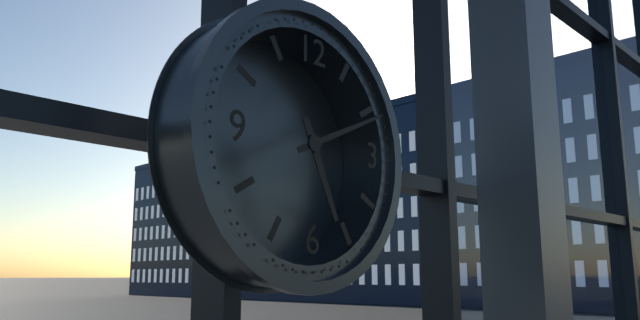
5:11
